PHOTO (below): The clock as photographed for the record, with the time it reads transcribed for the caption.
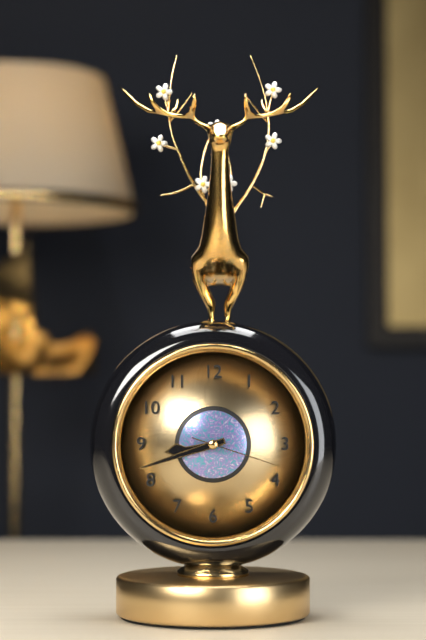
8:42:18
